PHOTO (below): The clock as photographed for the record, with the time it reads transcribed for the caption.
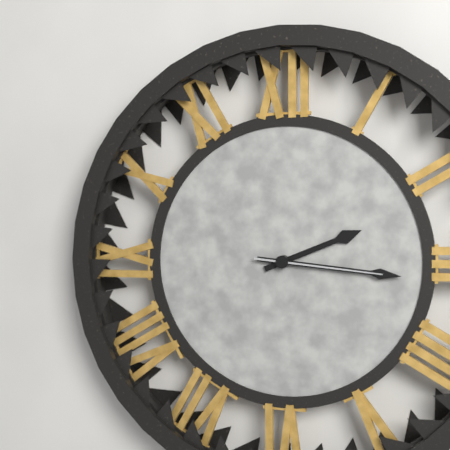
2:16:16
